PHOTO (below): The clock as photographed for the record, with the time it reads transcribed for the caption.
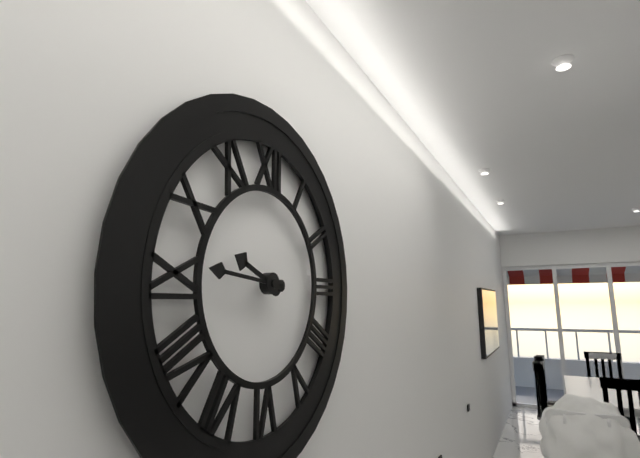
9:46
